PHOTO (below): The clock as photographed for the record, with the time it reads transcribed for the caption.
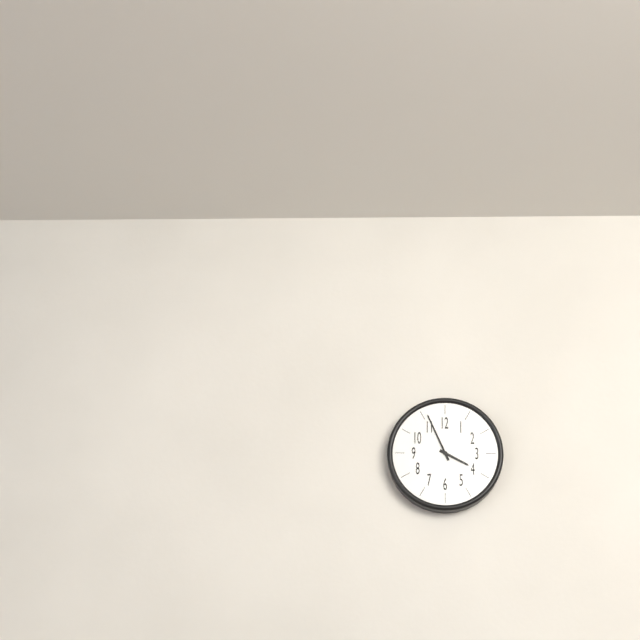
3:56
